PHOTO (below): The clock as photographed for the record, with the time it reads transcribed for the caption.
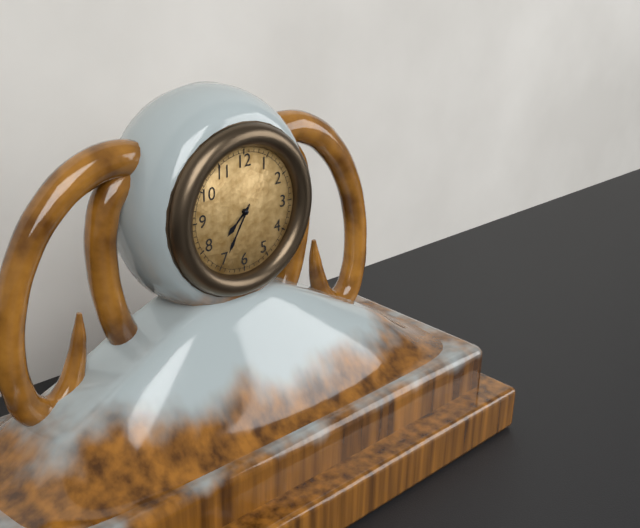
7:35
